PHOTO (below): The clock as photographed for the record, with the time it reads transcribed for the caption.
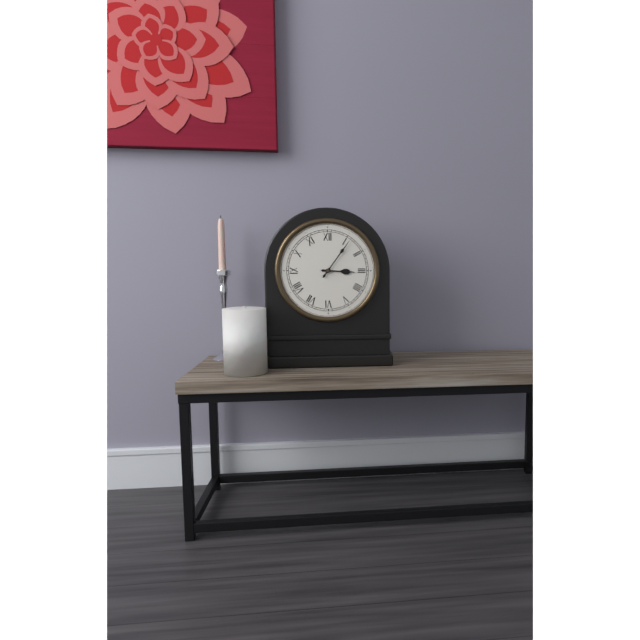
3:06
